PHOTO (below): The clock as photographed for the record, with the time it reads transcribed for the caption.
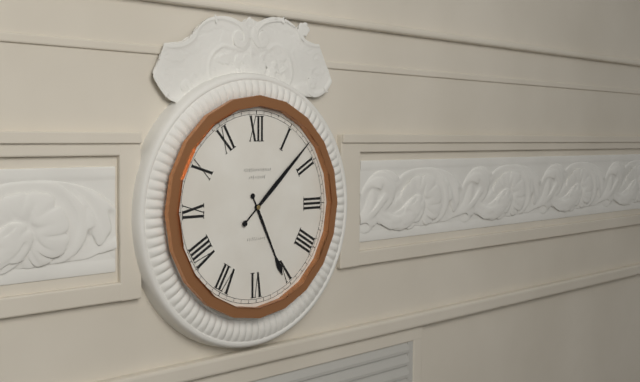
5:08
